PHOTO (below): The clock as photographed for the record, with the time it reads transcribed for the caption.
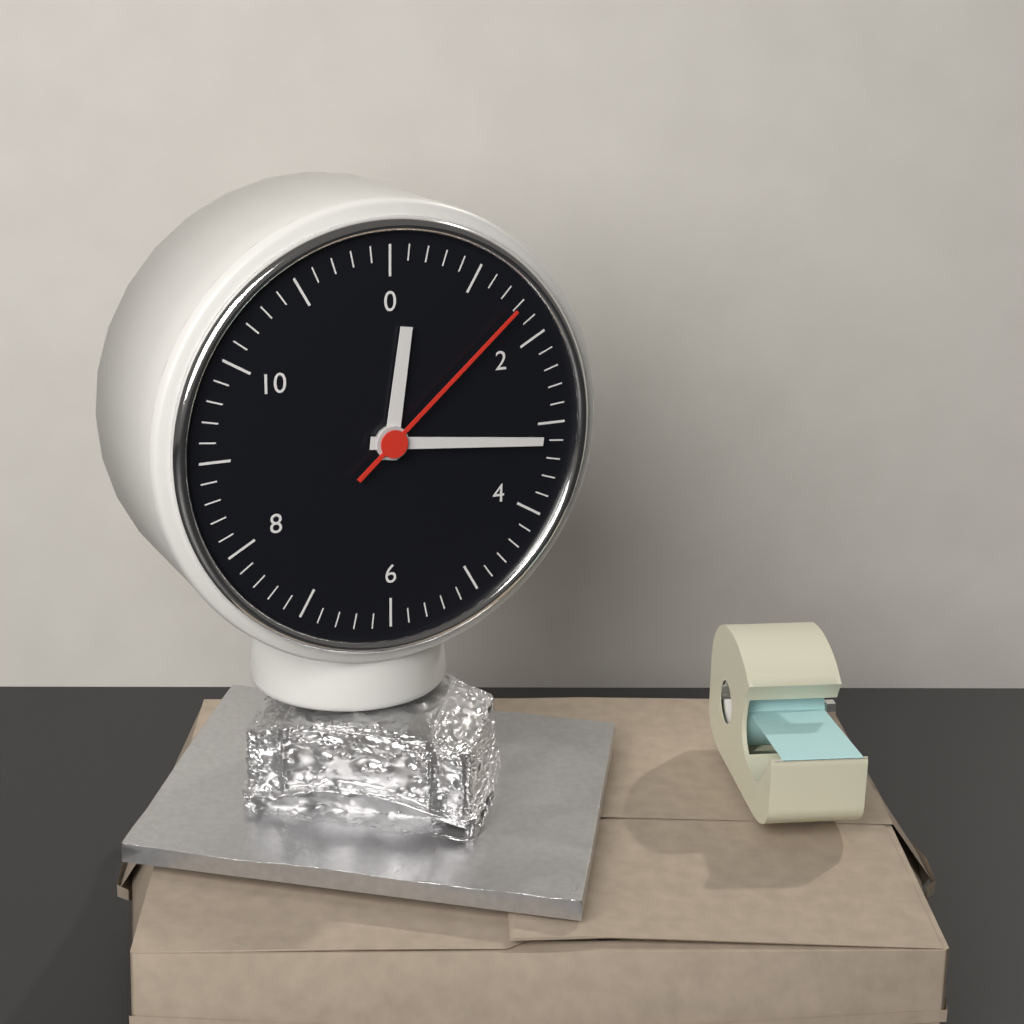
12:16:08
